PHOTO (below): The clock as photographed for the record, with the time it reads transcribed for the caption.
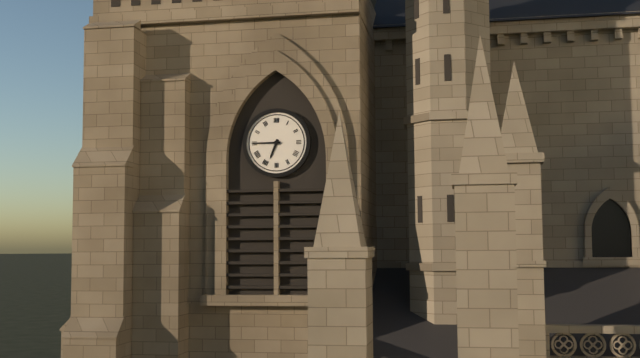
6:45
